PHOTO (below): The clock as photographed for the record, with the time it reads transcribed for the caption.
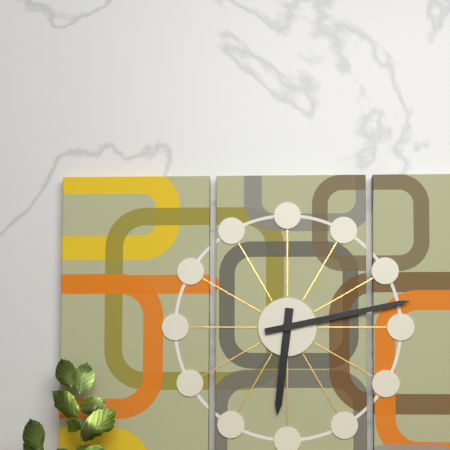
6:13
